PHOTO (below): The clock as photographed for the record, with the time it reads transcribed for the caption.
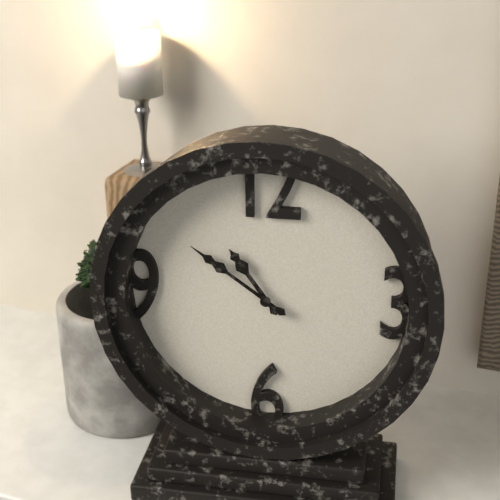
10:51
